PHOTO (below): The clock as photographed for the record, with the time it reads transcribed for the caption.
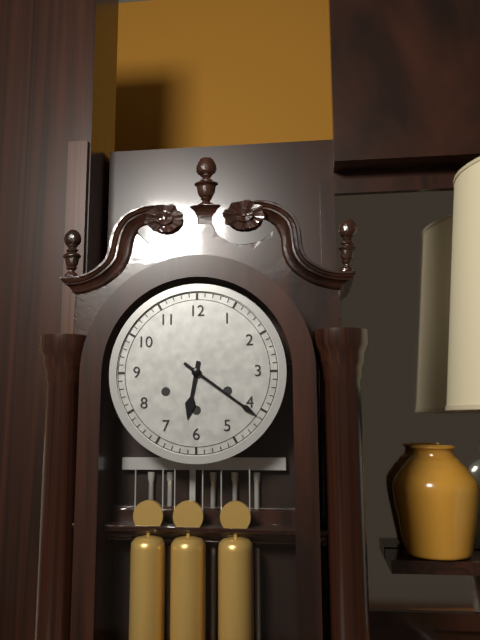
6:21
